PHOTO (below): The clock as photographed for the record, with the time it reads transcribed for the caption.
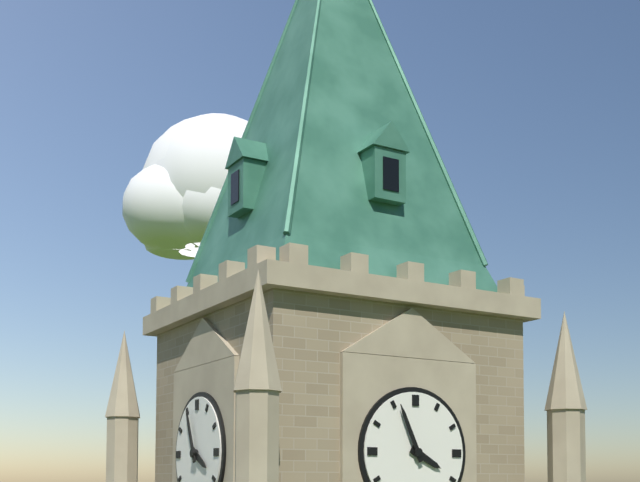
3:56
